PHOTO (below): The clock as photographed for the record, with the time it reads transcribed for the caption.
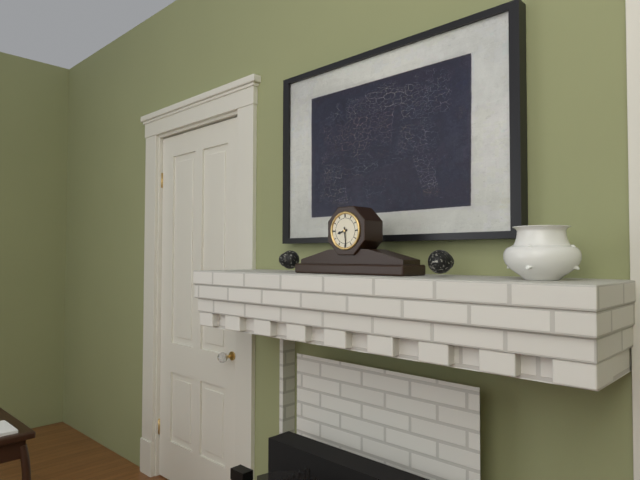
8:29
